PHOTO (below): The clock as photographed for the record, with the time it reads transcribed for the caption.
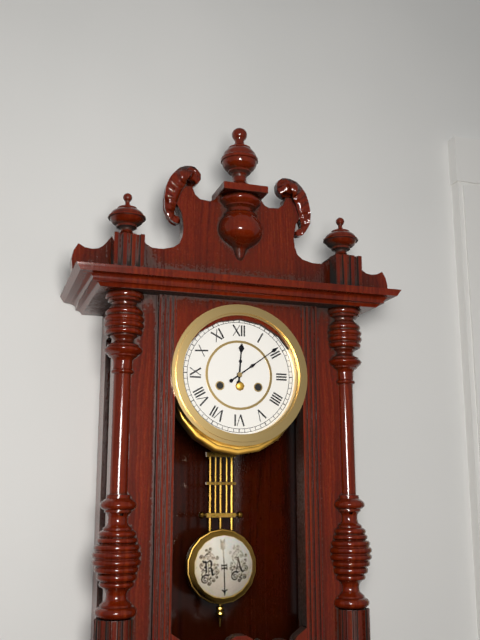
12:09
